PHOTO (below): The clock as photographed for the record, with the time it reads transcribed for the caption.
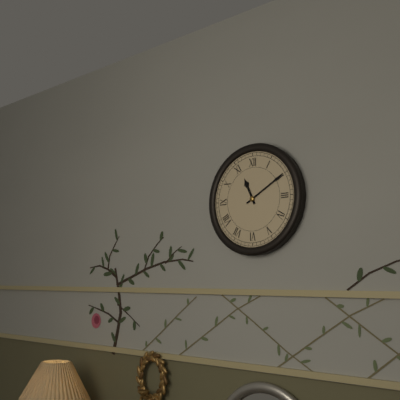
11:10
